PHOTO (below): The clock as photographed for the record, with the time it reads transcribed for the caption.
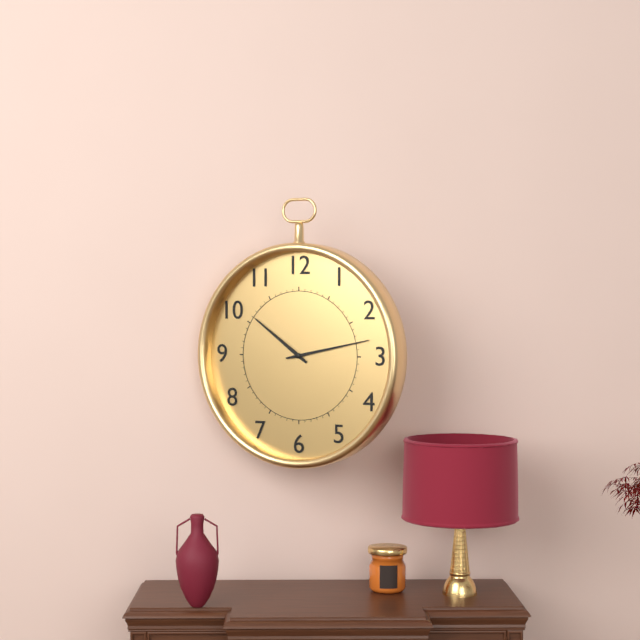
10:13
